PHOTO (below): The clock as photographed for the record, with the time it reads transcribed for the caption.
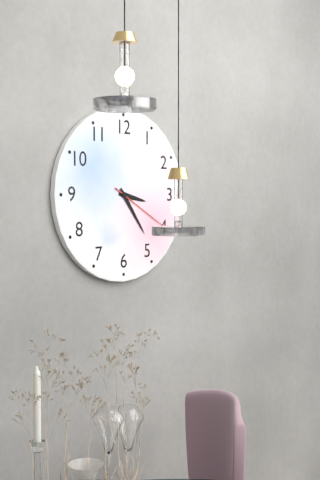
3:24:20
